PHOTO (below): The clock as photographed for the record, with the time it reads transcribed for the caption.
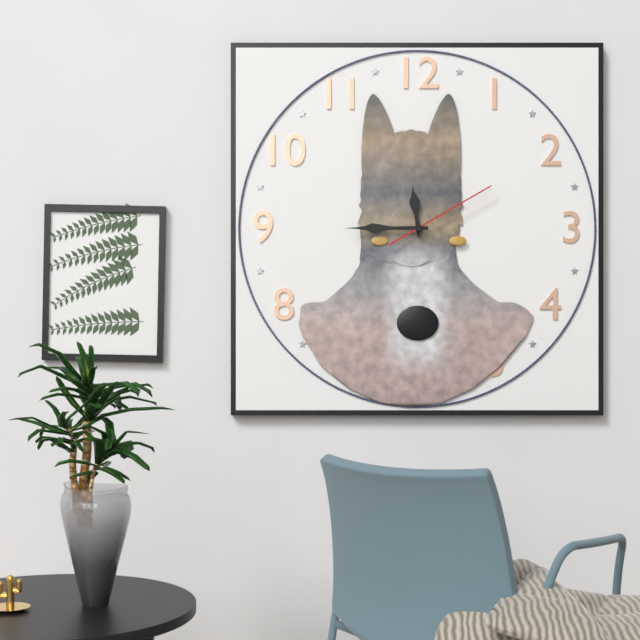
11:45:10
